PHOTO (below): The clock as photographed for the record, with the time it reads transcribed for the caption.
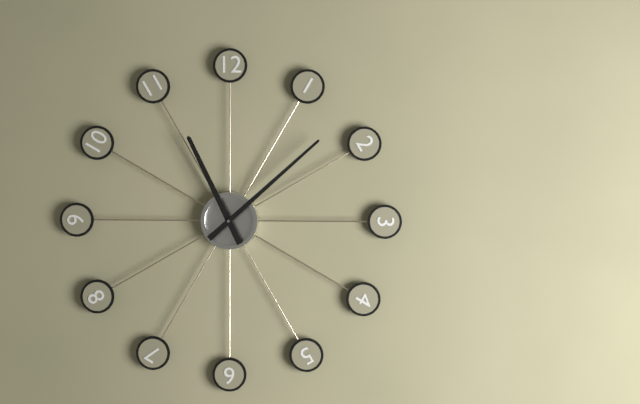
11:08
